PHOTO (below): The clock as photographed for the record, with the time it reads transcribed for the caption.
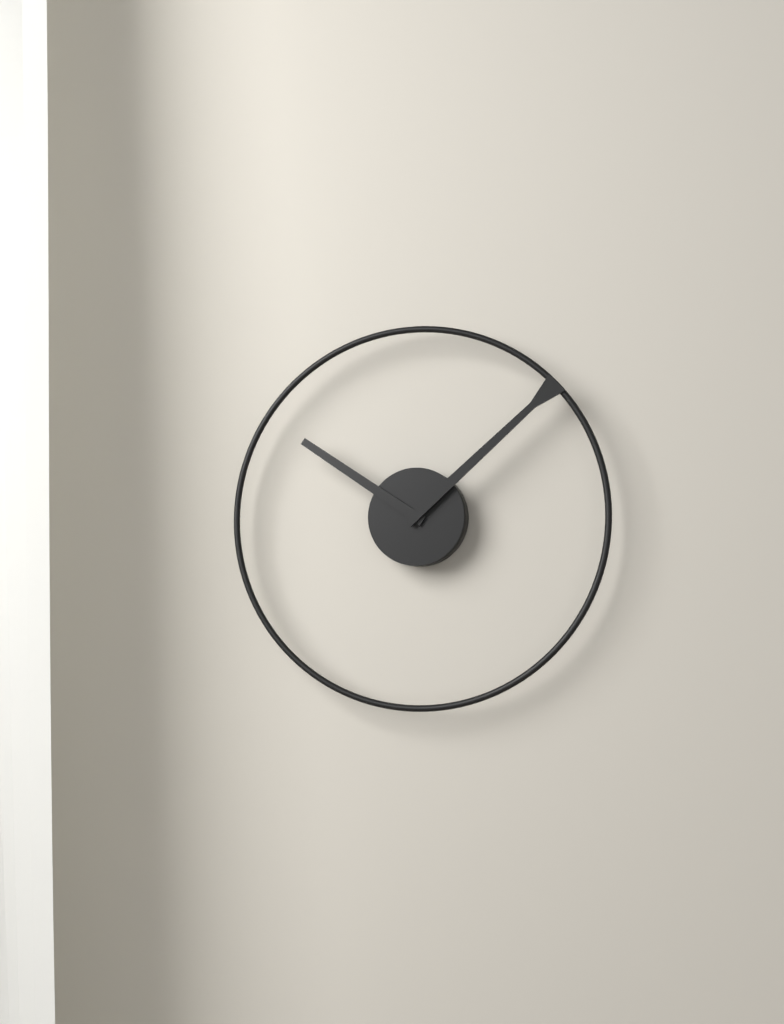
10:08
